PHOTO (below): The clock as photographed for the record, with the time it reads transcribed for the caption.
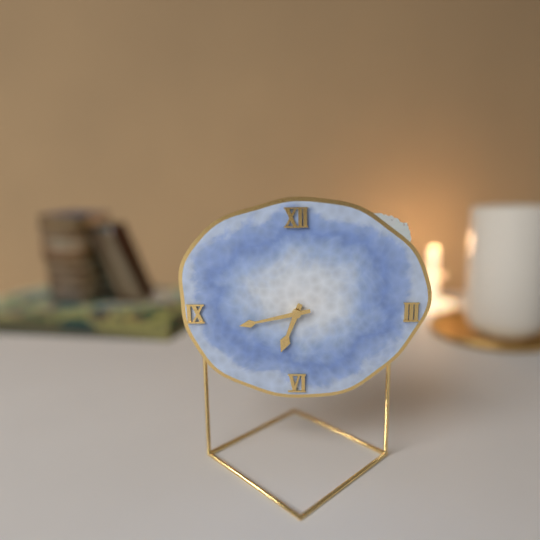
6:43
